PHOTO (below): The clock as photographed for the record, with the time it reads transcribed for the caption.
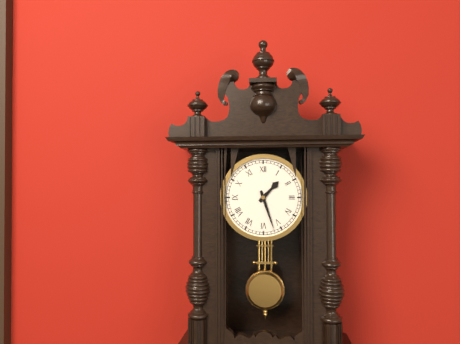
1:27
